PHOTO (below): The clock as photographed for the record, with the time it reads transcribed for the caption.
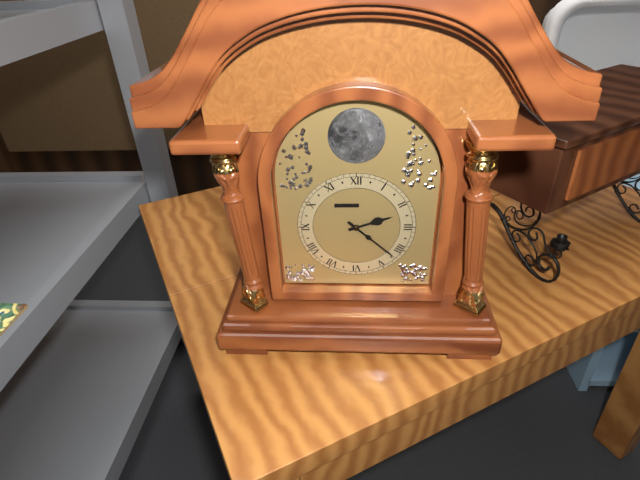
2:22
